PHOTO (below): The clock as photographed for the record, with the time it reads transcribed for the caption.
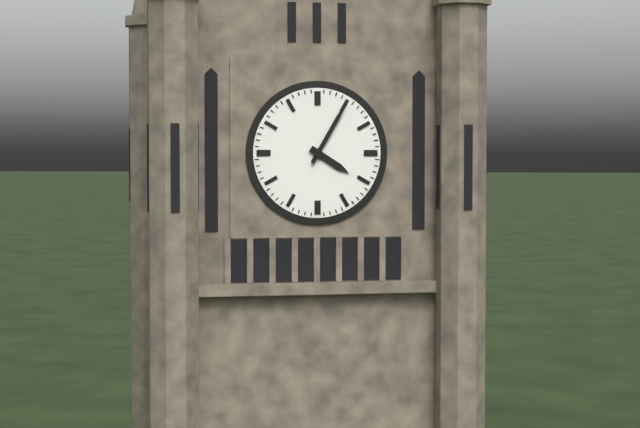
4:05
